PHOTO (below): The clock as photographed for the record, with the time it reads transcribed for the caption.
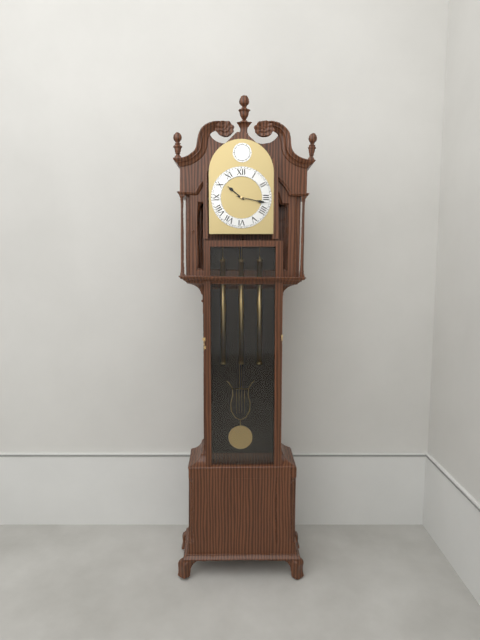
10:17
